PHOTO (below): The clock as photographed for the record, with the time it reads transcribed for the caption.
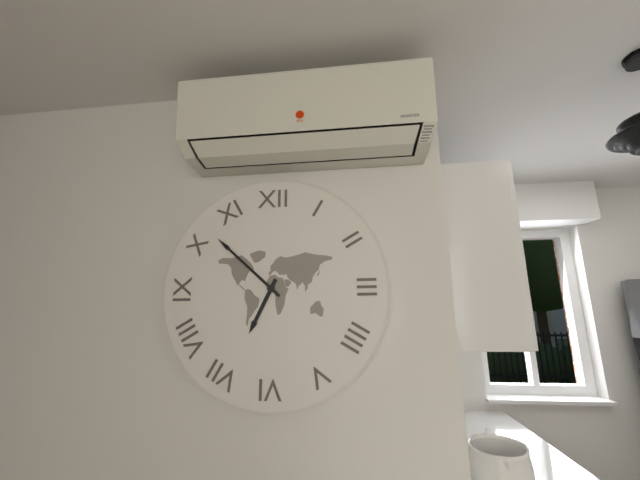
6:52
